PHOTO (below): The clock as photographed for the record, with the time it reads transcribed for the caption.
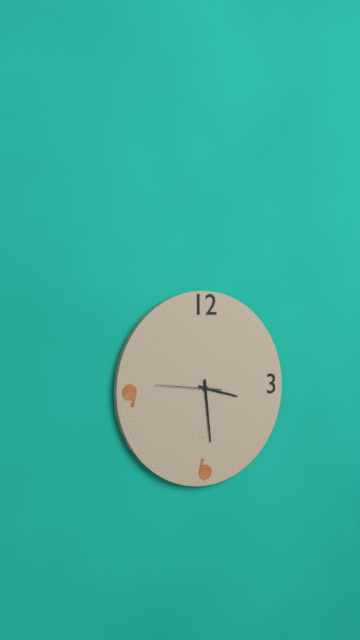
3:29:46
